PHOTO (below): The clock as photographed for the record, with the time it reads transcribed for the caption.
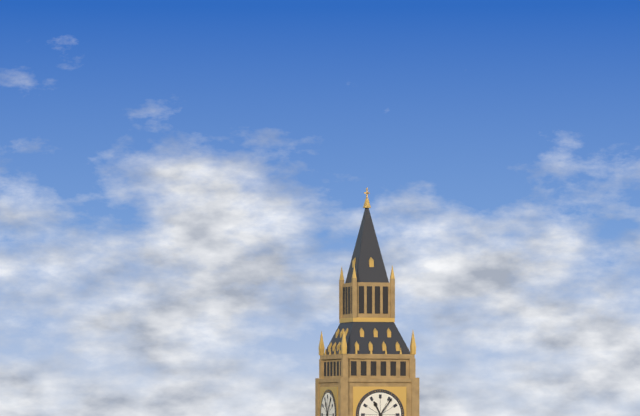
11:06
